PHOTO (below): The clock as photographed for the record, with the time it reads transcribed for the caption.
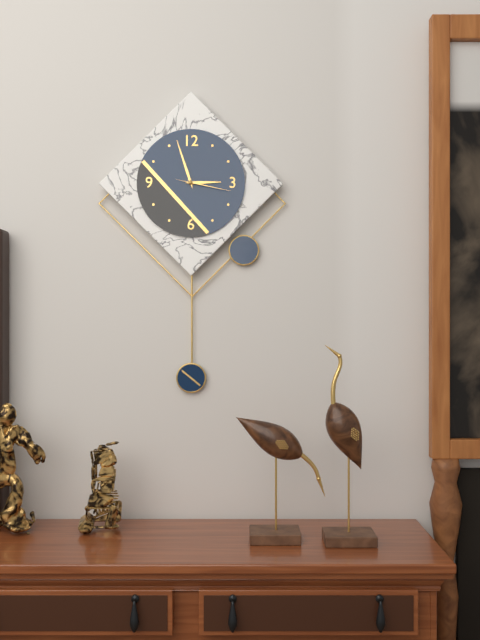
2:57:17
